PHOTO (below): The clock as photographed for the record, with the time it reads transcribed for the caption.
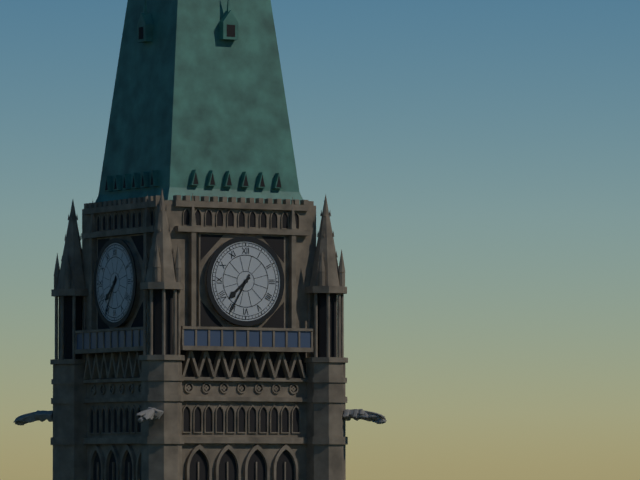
7:35
